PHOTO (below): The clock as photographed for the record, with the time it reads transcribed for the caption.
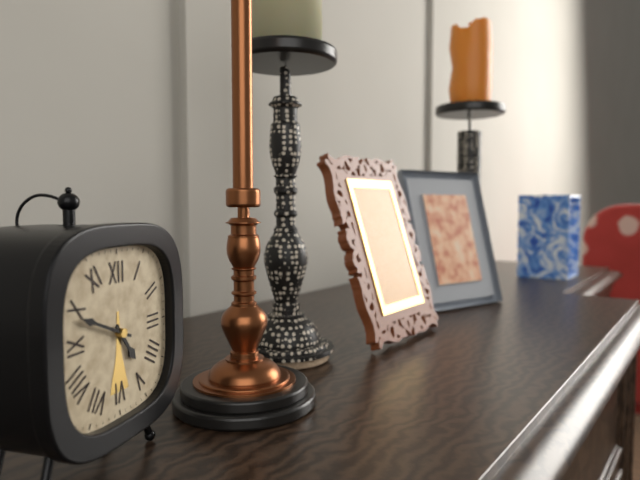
4:49
